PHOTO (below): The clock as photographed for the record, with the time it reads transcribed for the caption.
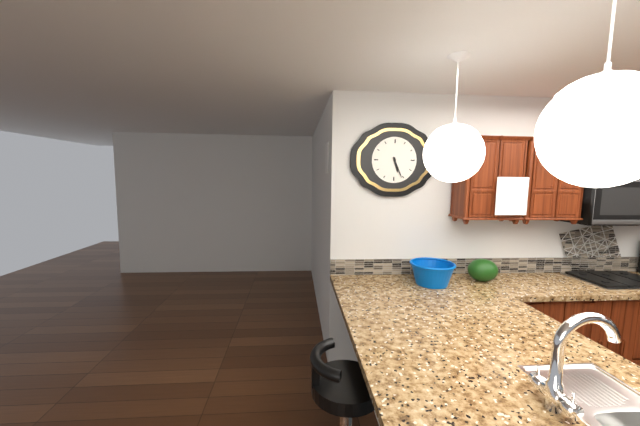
5:26
